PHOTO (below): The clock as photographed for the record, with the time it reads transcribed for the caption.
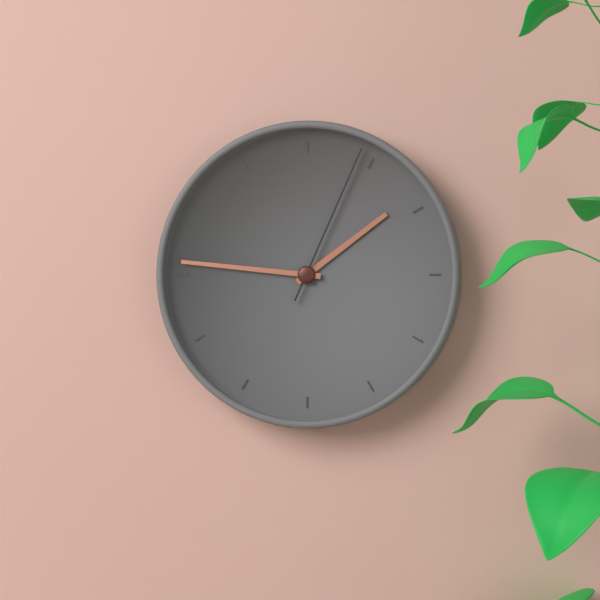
1:46:04
